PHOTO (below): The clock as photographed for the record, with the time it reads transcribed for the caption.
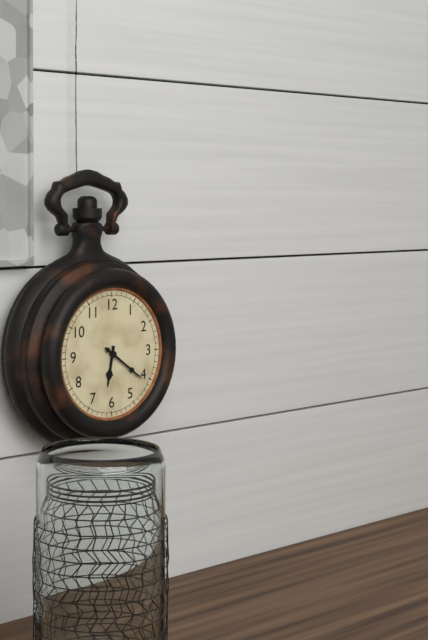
6:21
